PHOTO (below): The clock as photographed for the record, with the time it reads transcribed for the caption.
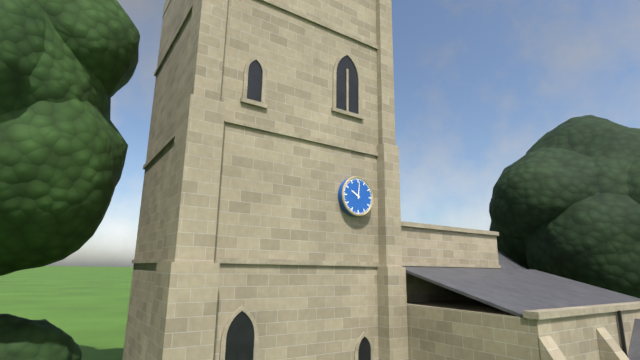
10:01
